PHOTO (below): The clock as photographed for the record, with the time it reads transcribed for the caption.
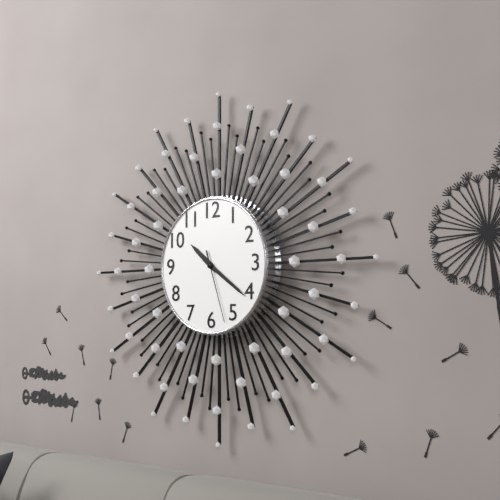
10:21:27
